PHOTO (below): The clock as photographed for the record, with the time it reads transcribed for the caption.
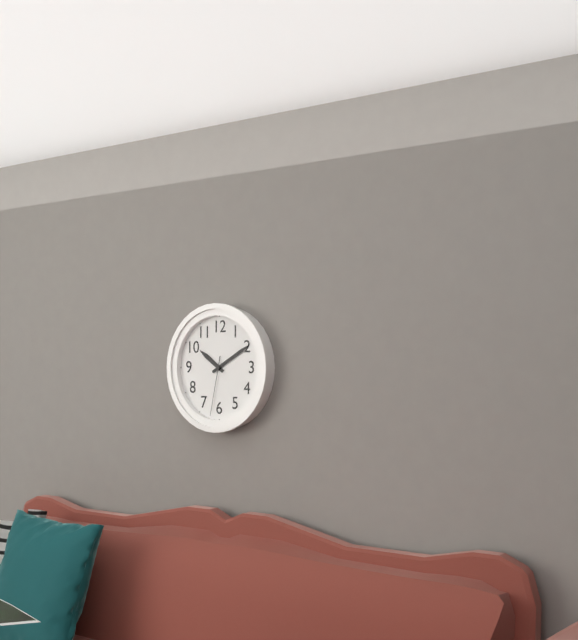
10:10:32
